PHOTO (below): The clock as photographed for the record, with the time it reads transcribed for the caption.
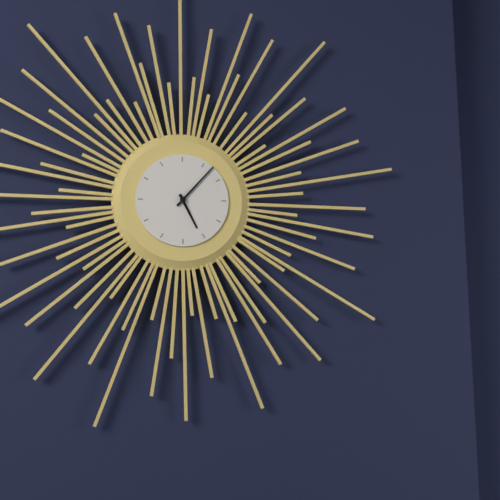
5:07
